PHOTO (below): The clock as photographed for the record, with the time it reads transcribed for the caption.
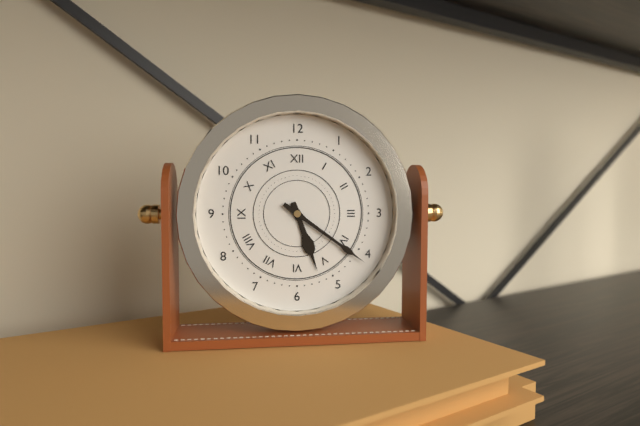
5:21
